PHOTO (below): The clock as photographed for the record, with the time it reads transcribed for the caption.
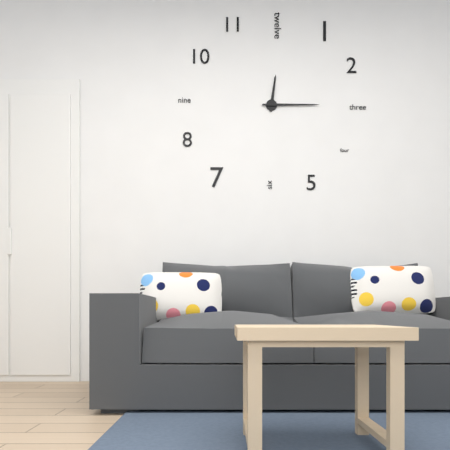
12:15
